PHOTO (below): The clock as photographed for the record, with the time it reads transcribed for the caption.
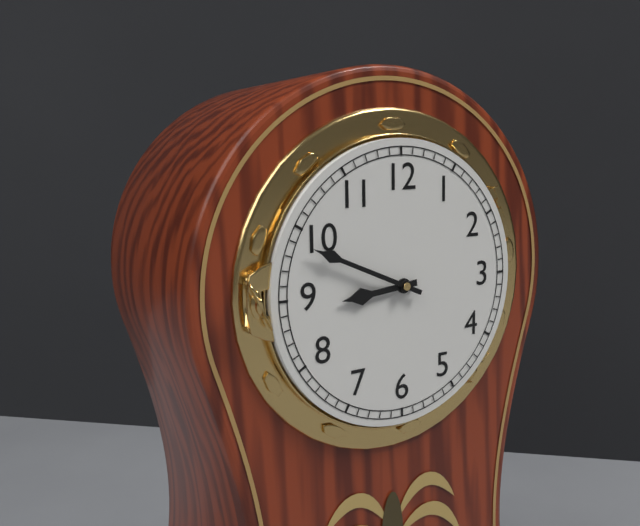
8:49
